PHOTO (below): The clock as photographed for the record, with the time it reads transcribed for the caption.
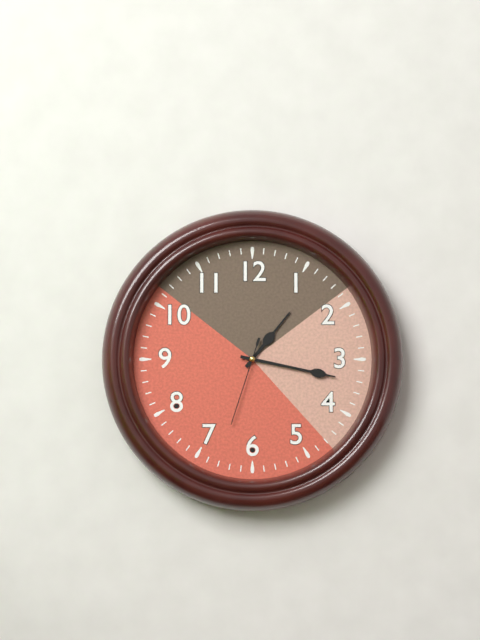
1:17:33
